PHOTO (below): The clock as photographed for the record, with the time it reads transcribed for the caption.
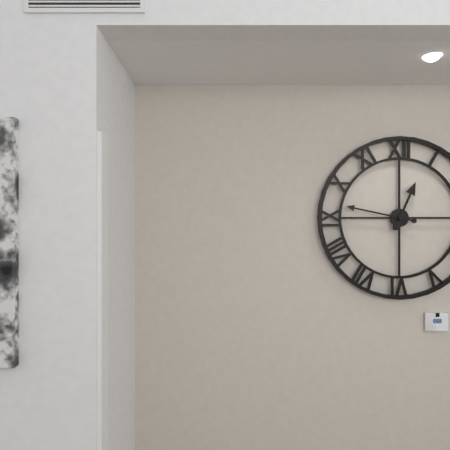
12:47
